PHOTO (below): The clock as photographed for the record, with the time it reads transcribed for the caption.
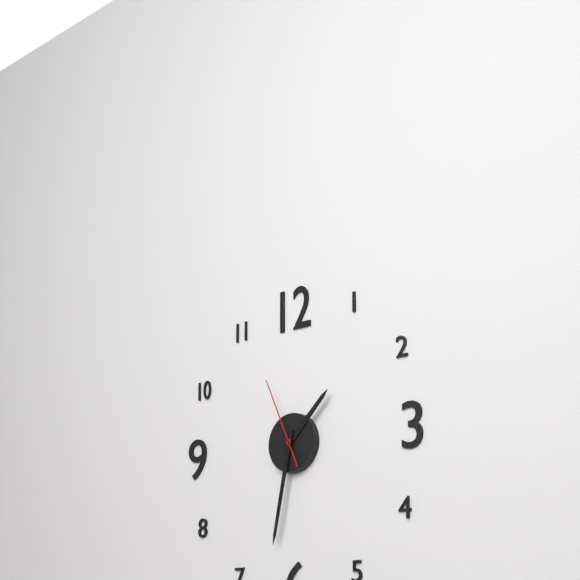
1:32:56
